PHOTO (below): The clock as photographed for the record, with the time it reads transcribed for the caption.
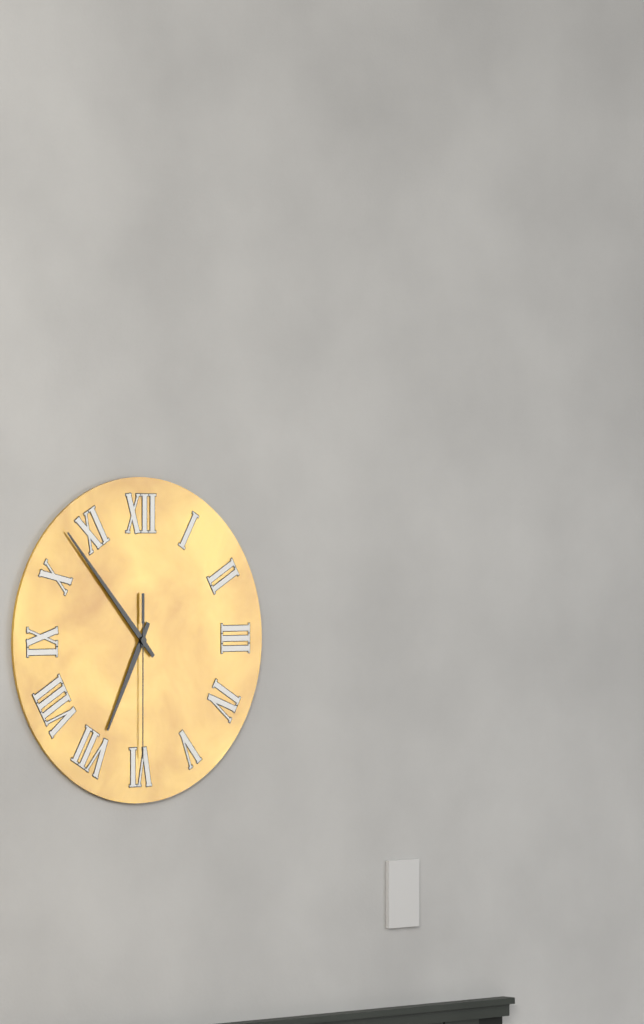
6:53:30
